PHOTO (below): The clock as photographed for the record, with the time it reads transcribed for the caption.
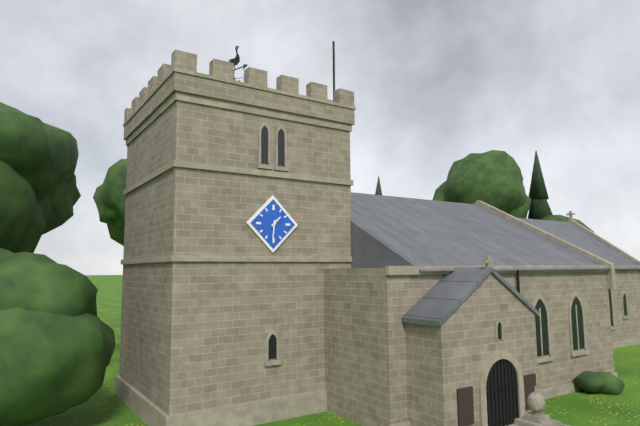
1:31
